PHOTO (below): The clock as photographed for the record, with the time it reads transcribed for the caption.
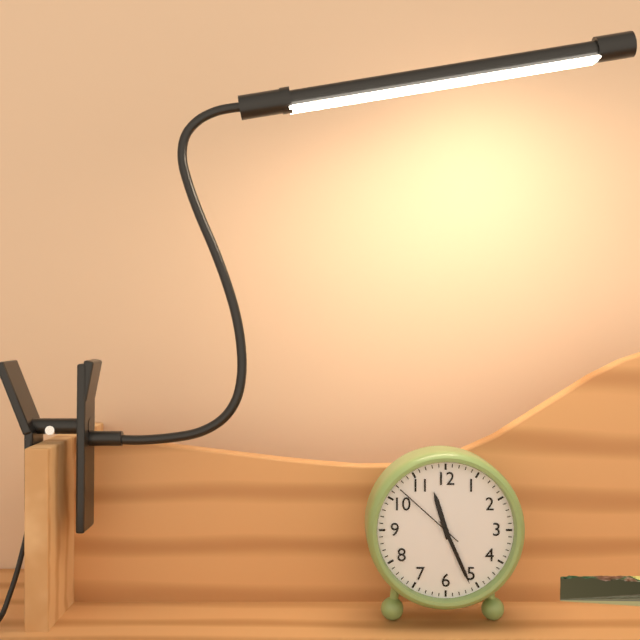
11:26:52
